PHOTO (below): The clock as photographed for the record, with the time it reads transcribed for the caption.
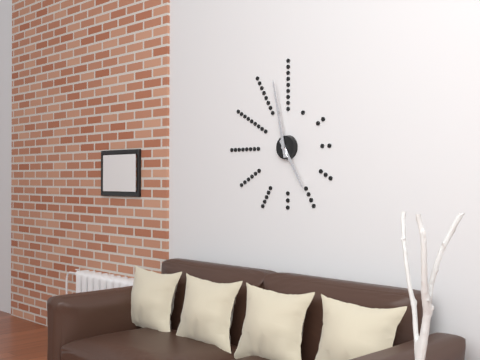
4:58
